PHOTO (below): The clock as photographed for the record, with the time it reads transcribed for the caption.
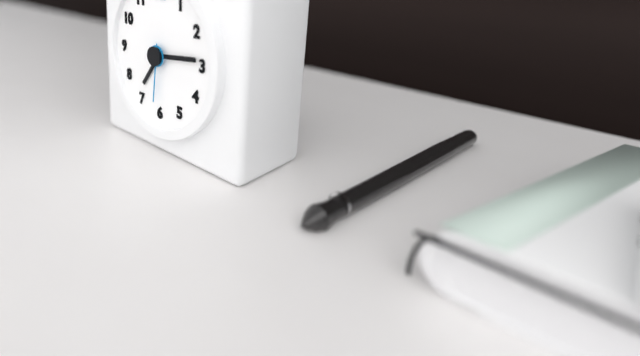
7:14:31
